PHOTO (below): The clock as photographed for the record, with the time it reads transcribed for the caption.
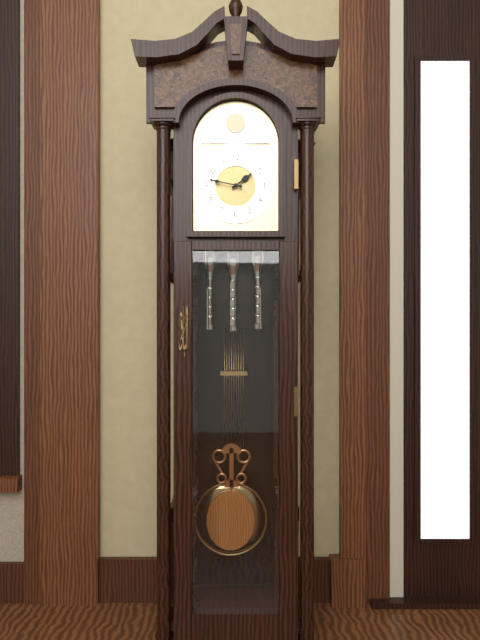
1:47
